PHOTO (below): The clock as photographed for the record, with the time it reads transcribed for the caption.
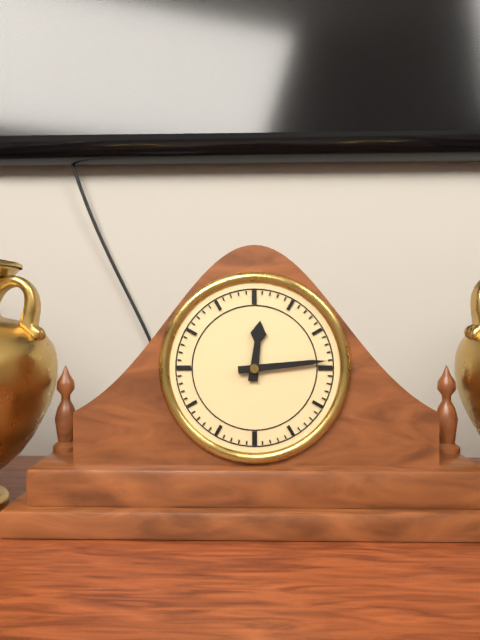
12:14
